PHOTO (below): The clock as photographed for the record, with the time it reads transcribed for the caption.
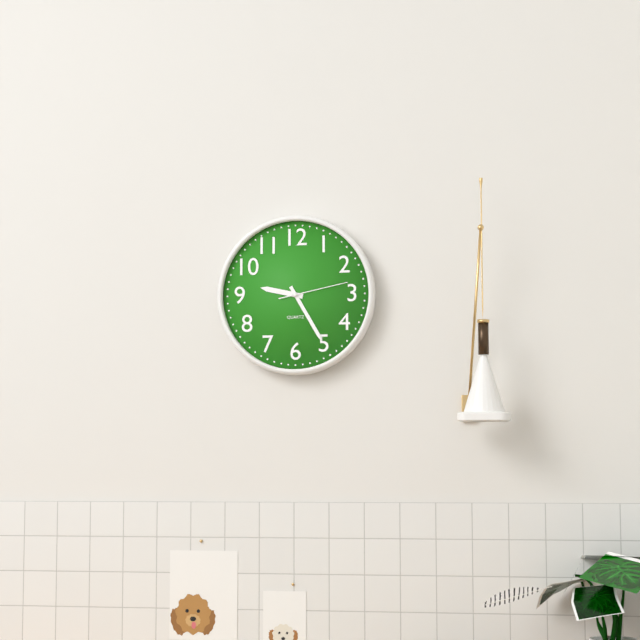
9:25:13
